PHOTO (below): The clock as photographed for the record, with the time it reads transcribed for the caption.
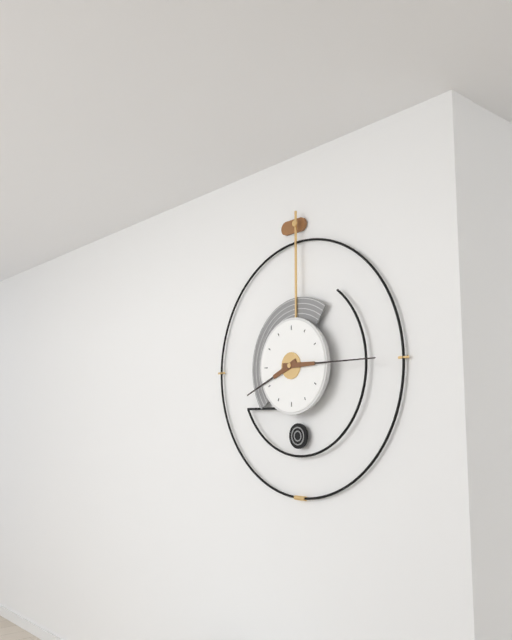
8:15
